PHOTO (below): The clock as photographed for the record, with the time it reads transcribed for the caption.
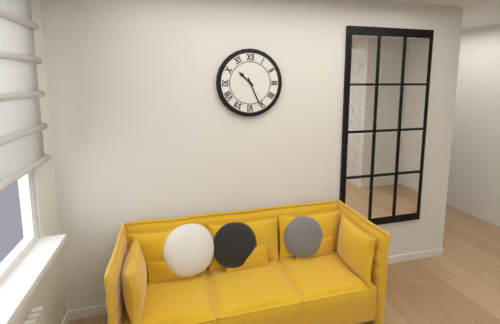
10:26
